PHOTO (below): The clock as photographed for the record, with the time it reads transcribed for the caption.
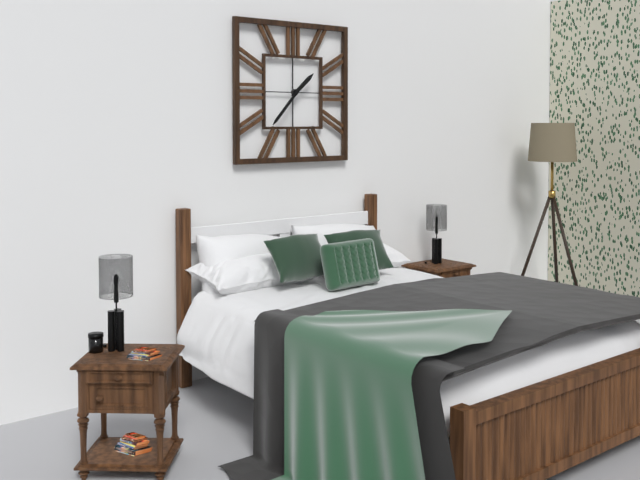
1:37
